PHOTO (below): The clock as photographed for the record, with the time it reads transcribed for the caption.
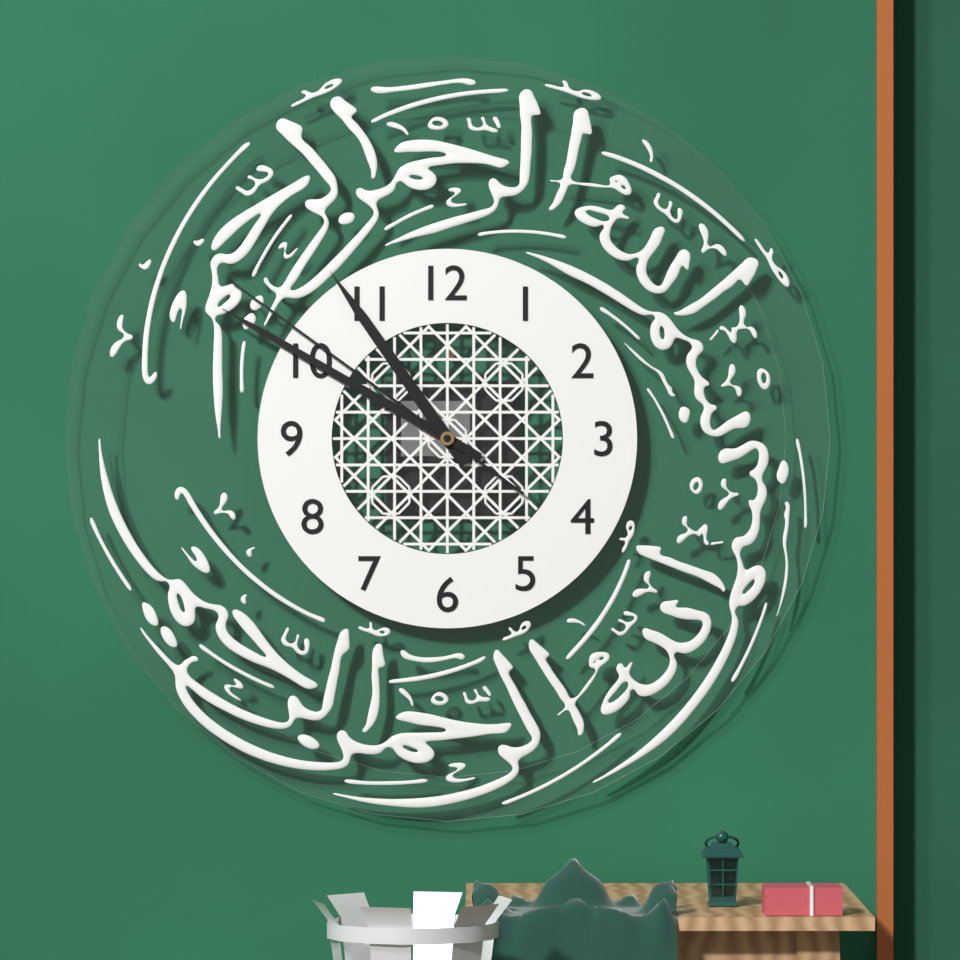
10:50:51
